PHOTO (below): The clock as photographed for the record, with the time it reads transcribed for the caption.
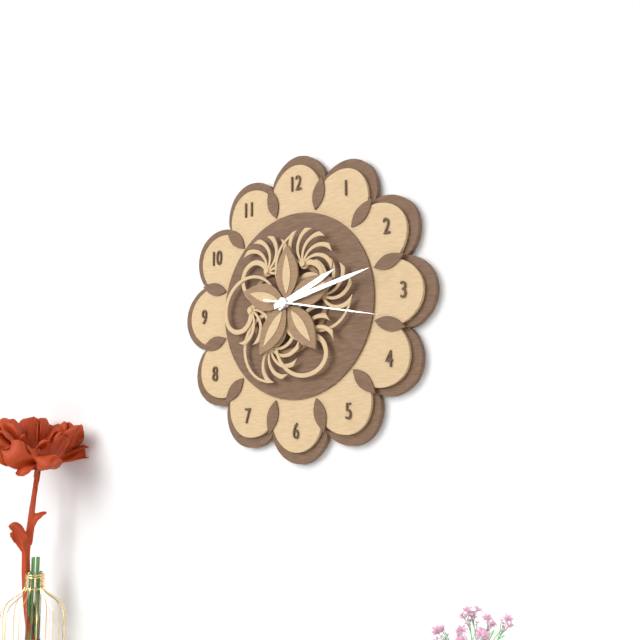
2:13:17
